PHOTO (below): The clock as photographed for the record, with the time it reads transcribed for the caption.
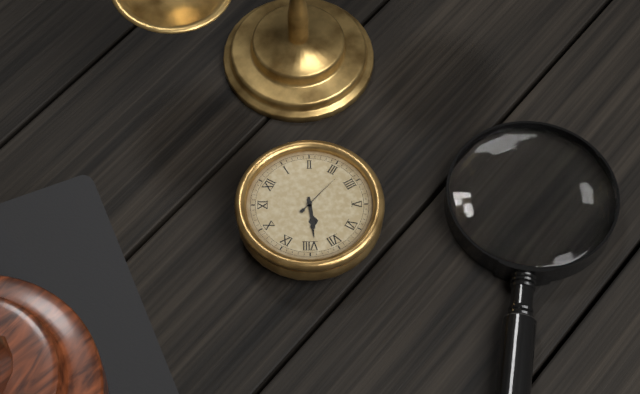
7:39
